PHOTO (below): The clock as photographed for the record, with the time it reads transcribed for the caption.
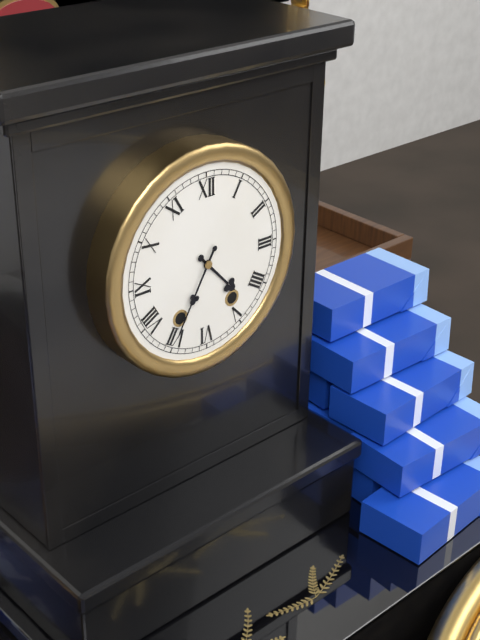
4:35
